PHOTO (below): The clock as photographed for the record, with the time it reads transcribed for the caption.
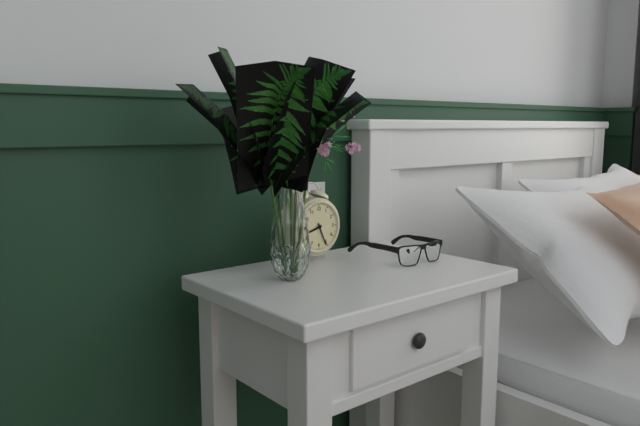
8:26
